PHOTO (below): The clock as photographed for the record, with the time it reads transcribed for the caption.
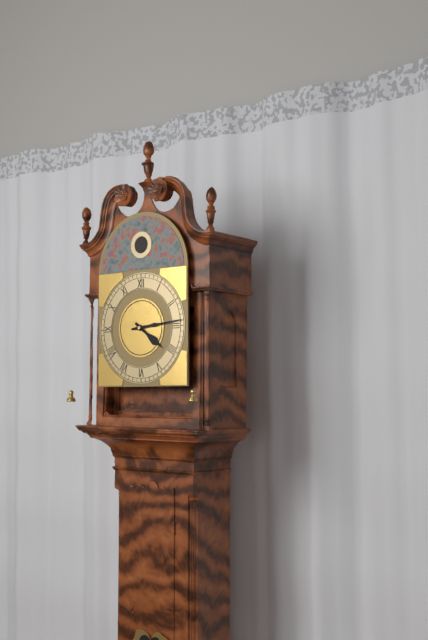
4:14
